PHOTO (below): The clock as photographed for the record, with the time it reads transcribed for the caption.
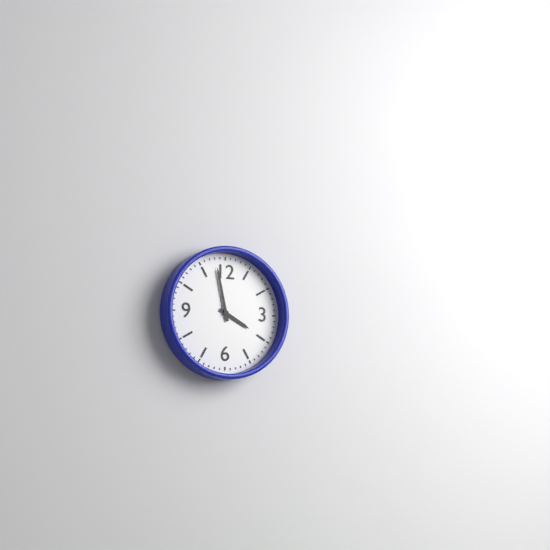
3:58
